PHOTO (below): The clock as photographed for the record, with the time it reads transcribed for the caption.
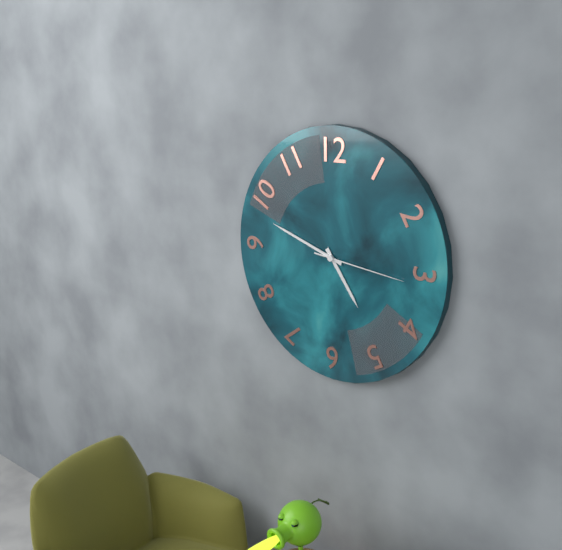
4:48:16
